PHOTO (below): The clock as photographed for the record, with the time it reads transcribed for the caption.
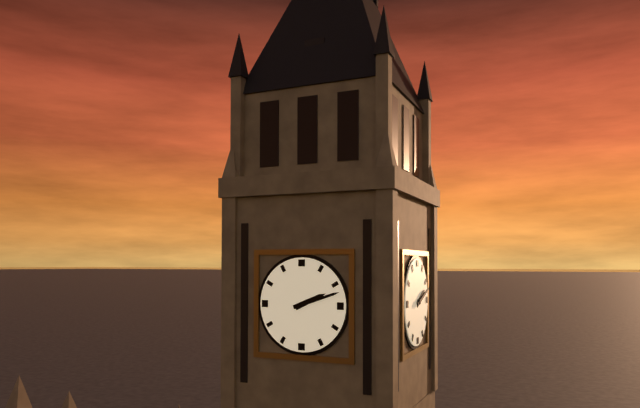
2:12
